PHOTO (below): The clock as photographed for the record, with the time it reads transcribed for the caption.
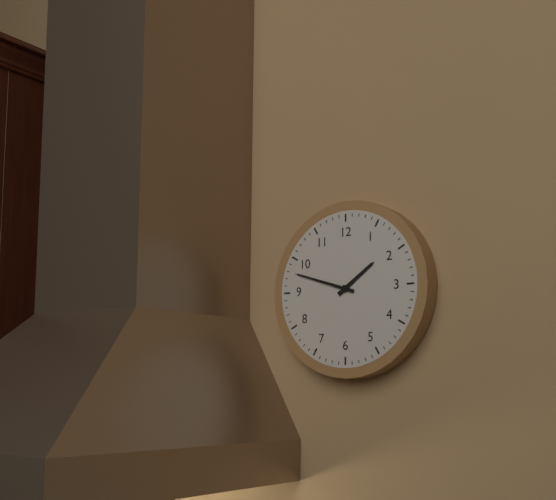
1:48
